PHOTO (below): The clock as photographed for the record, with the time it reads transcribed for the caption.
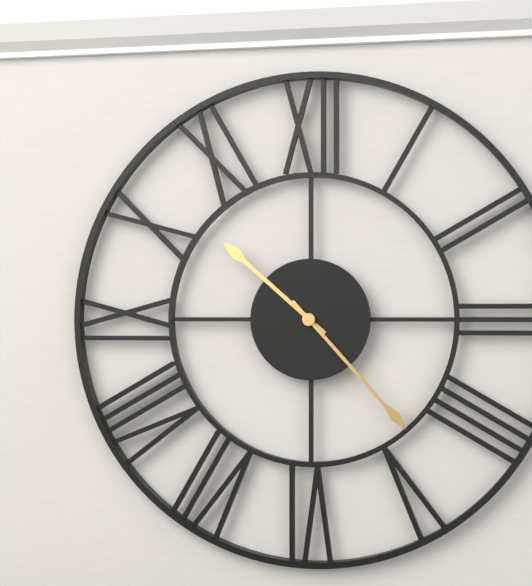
10:23
